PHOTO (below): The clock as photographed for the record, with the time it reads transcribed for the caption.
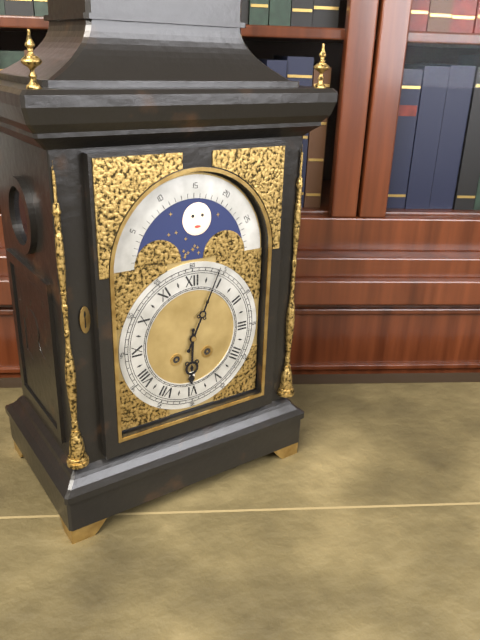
6:04
